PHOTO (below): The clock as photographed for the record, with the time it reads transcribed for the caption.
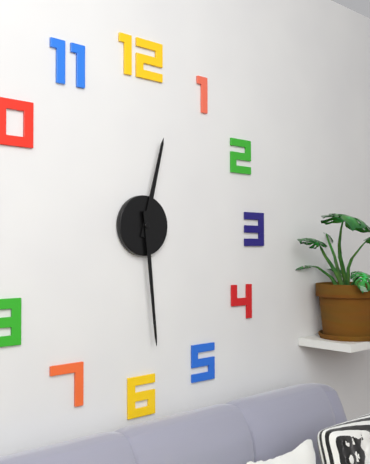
12:29
